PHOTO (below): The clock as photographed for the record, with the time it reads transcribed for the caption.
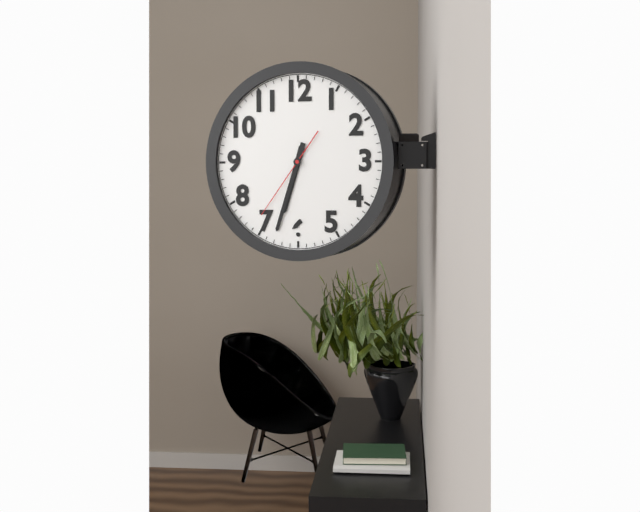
6:33:36
